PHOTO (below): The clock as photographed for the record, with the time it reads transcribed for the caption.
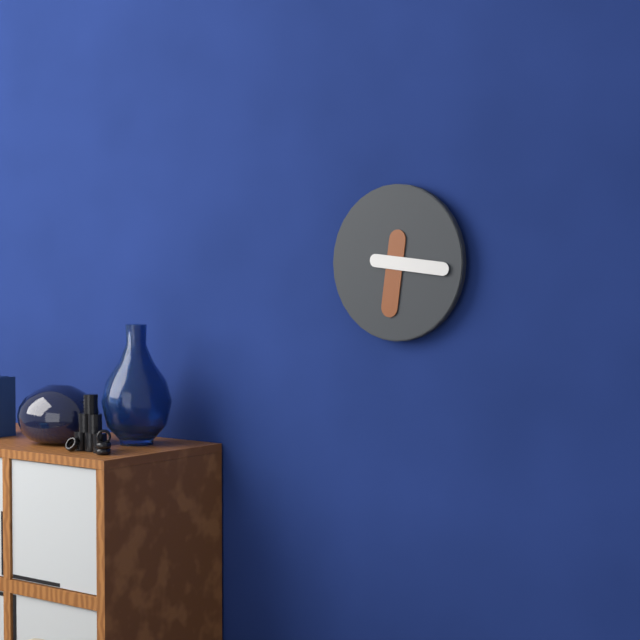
6:16
